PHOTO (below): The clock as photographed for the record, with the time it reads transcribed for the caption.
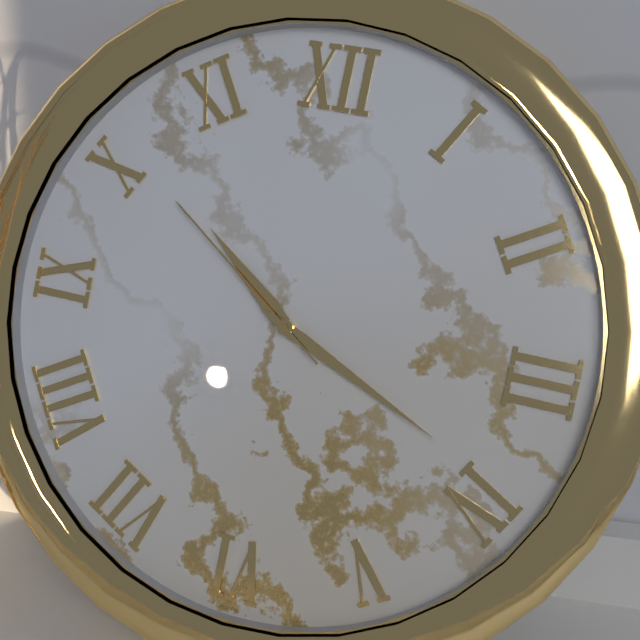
10:19:51
